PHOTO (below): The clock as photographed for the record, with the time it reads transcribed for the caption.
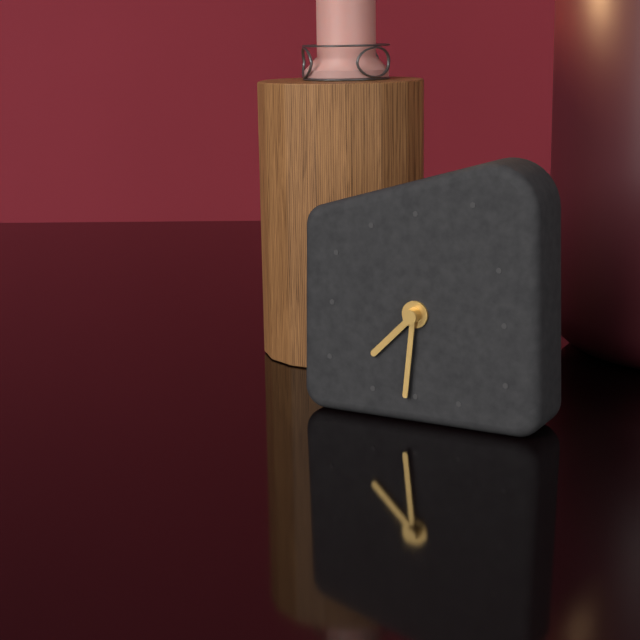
7:31
